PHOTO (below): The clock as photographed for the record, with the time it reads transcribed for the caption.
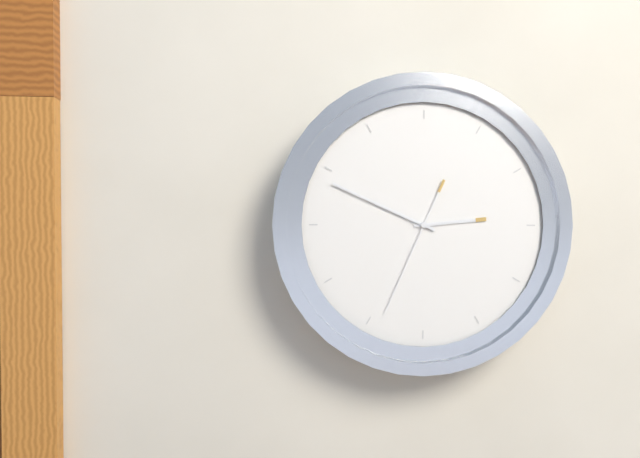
2:49:34
